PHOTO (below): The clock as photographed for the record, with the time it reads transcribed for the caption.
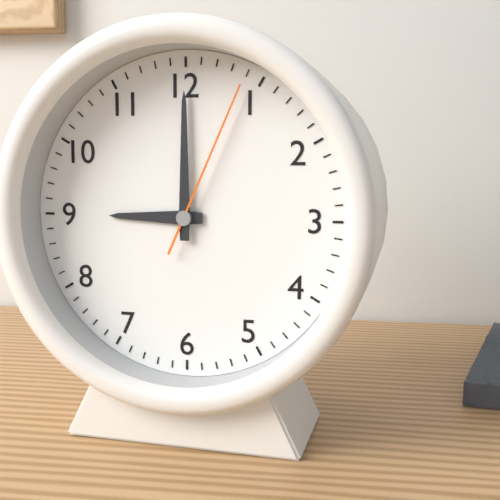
9:00:04
